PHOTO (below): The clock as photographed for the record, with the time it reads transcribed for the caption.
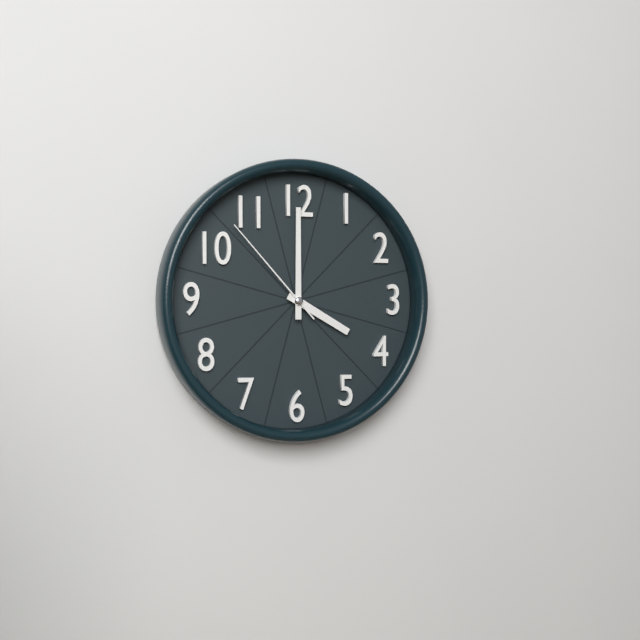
4:00:53
